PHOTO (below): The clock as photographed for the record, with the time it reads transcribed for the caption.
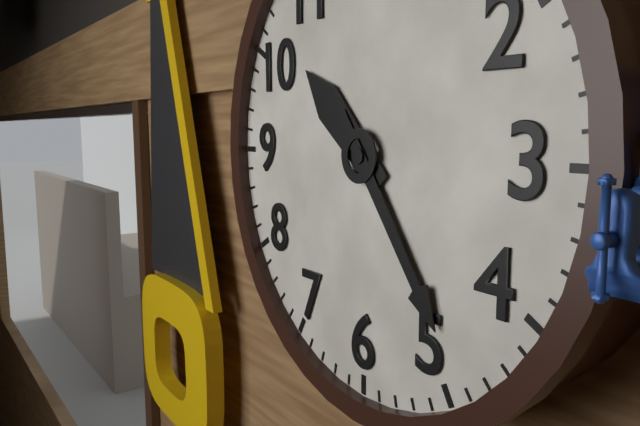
10:24
